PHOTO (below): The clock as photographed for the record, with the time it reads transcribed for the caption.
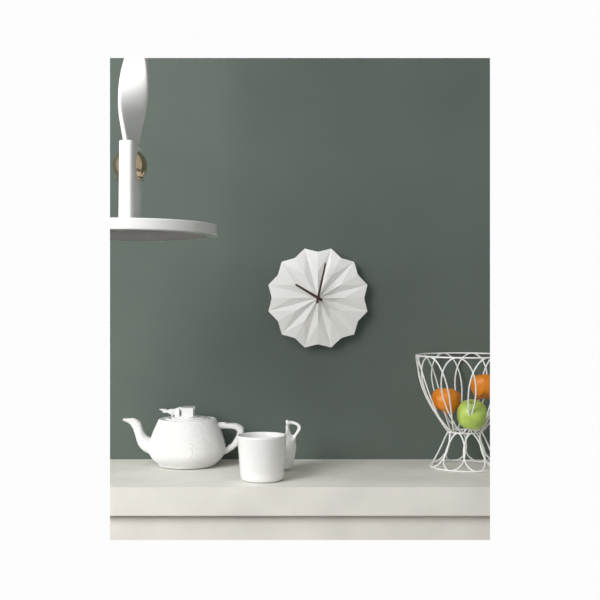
10:02
